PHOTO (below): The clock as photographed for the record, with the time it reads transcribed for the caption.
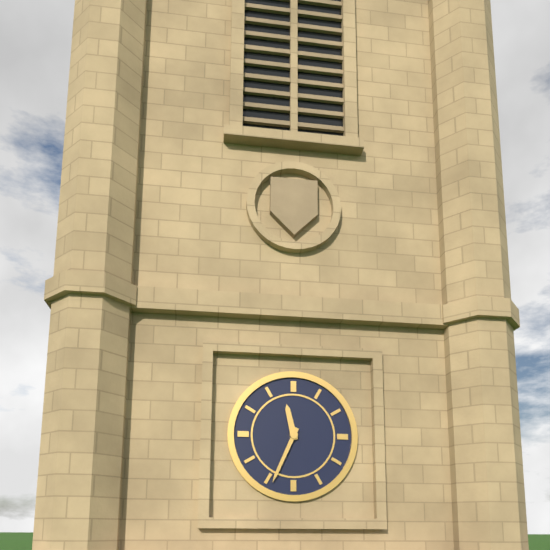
11:34
